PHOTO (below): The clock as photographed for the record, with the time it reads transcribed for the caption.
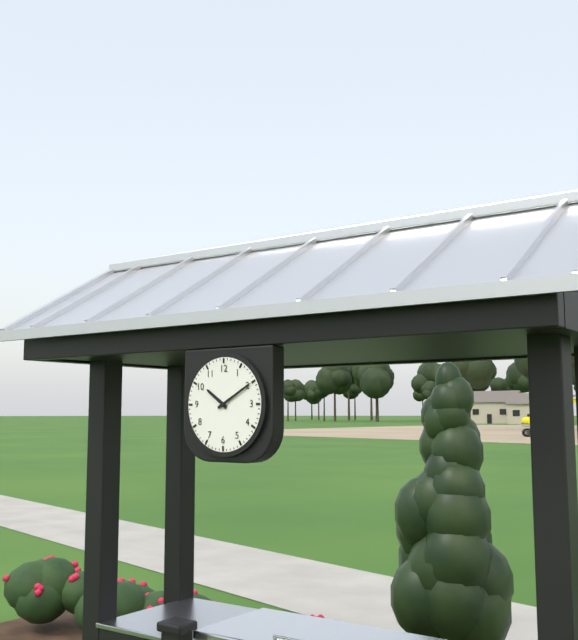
10:10
